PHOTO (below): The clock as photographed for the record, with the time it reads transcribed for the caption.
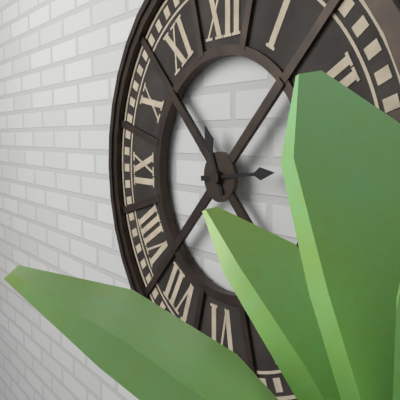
11:14
